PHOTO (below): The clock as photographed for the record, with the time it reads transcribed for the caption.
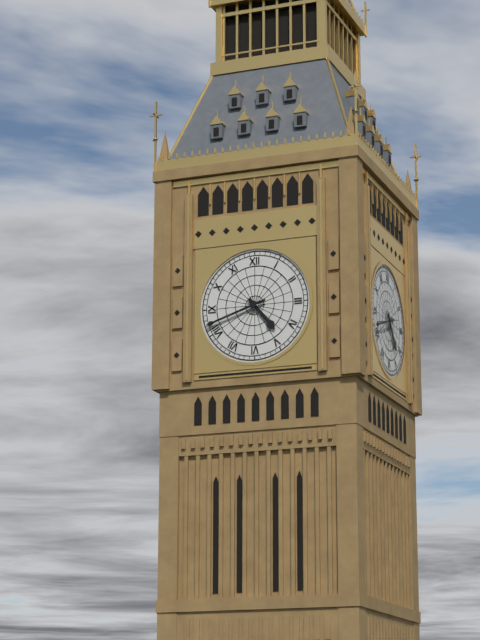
4:42
